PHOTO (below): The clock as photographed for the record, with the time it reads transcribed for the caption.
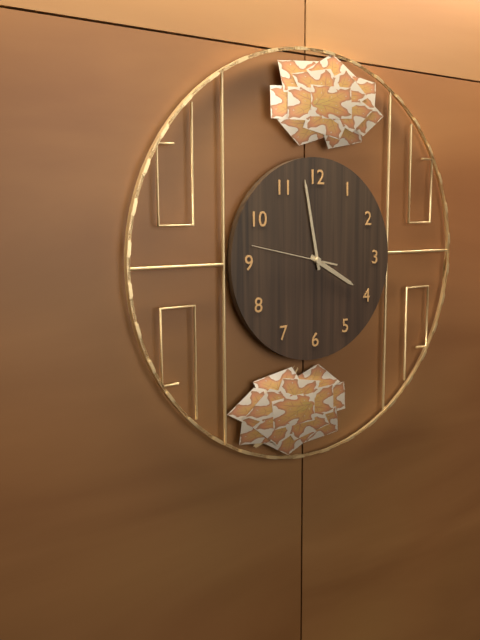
3:58:47
